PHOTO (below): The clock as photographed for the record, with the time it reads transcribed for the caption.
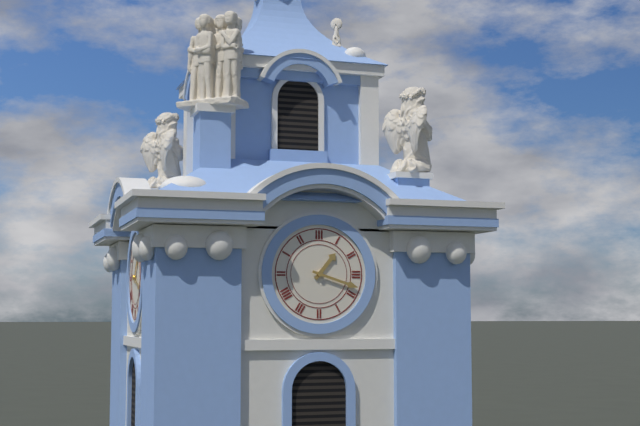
1:18
